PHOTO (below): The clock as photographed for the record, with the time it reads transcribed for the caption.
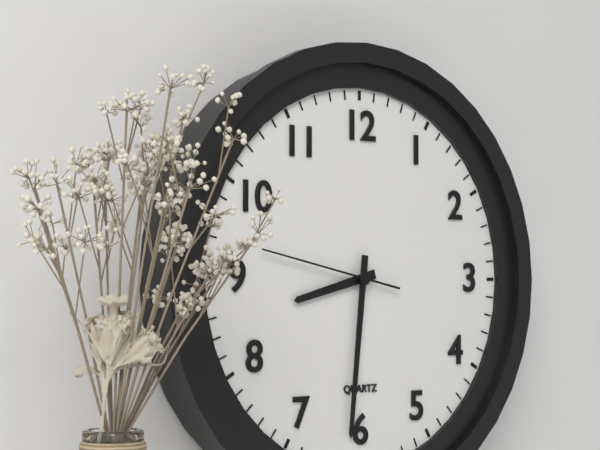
8:31:47
